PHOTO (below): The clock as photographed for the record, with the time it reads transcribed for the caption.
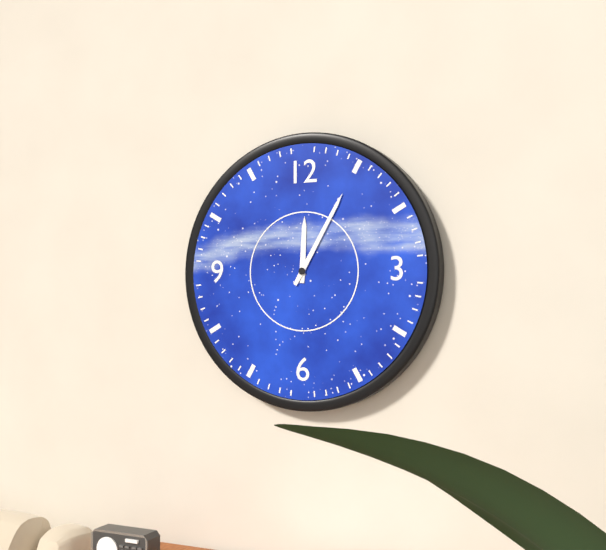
12:05
